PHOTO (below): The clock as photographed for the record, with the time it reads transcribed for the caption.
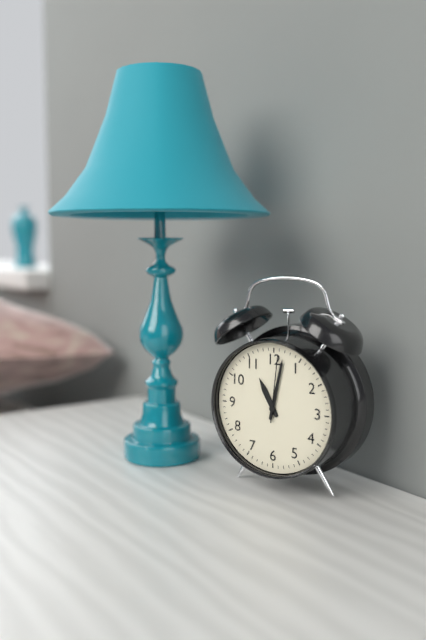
11:02:01
